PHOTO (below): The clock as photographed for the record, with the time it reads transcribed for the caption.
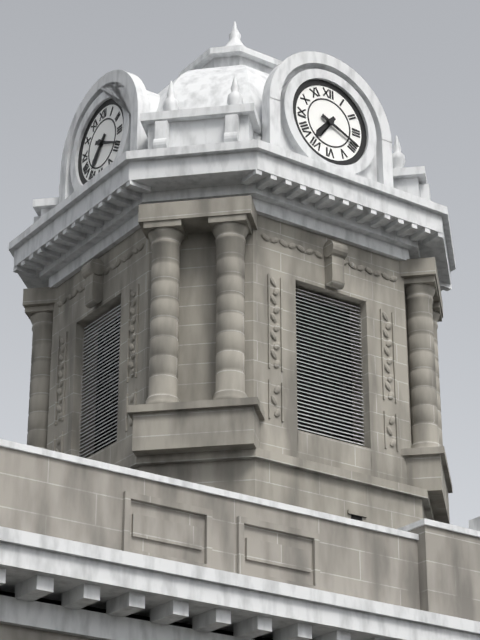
7:19
